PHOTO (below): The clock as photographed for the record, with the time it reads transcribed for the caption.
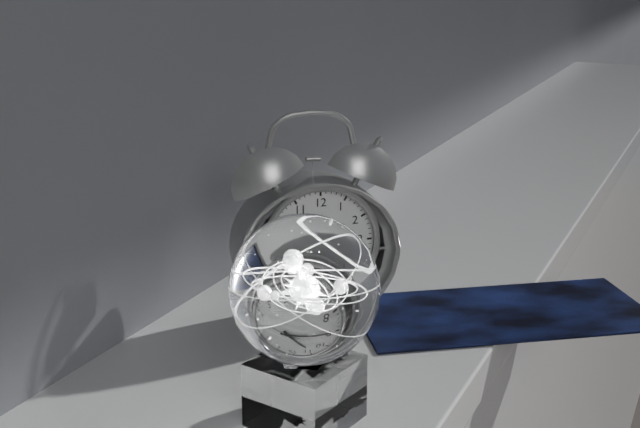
10:45:18
